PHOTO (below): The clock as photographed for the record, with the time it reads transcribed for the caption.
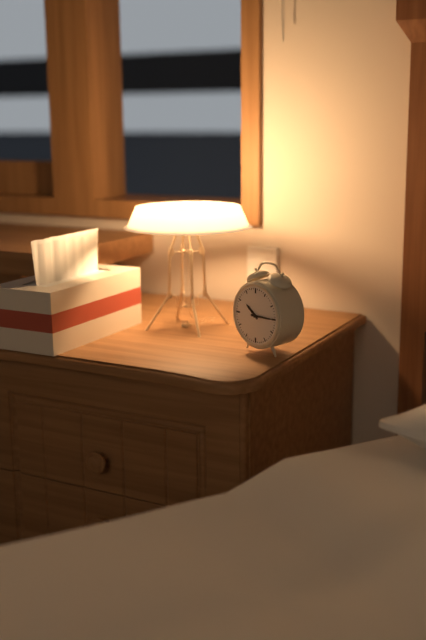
10:15
